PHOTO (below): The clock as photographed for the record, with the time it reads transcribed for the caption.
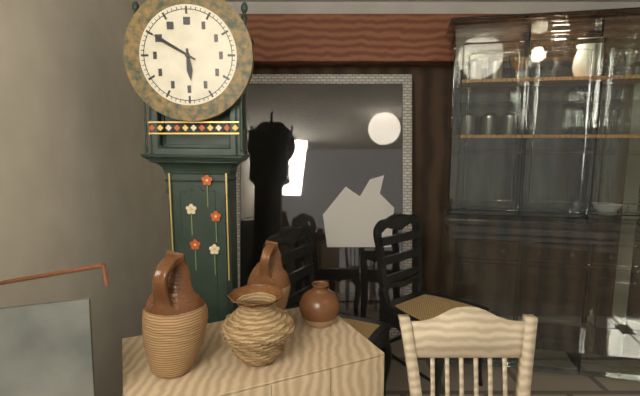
5:50
